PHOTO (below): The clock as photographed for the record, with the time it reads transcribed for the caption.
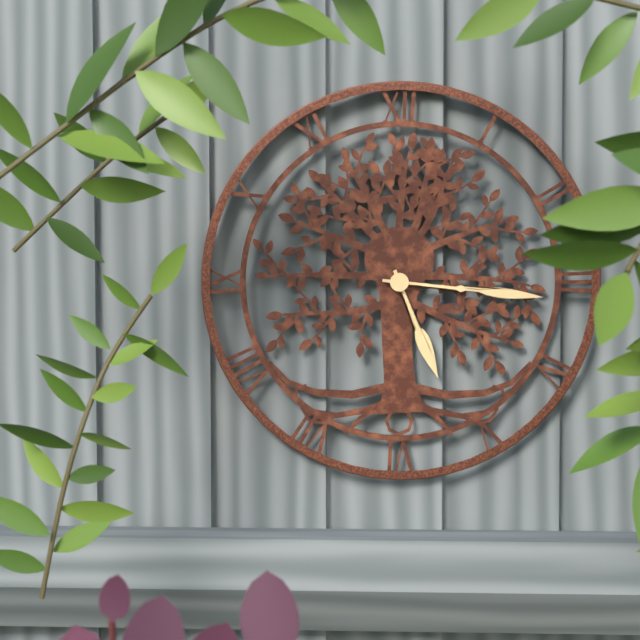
5:16
